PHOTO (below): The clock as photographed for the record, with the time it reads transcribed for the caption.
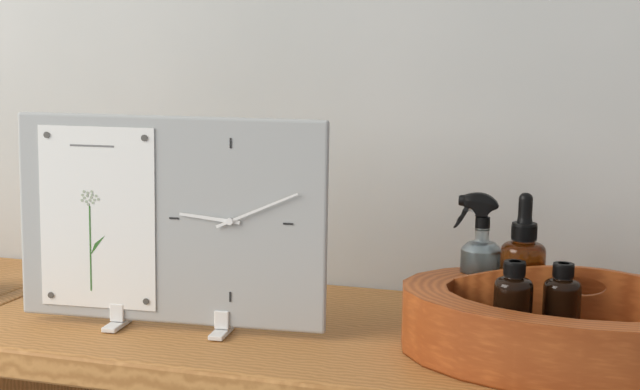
9:11
